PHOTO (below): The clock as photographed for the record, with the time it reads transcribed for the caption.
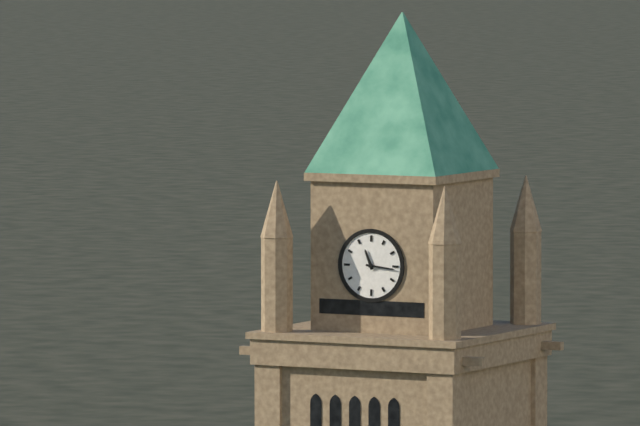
11:16
